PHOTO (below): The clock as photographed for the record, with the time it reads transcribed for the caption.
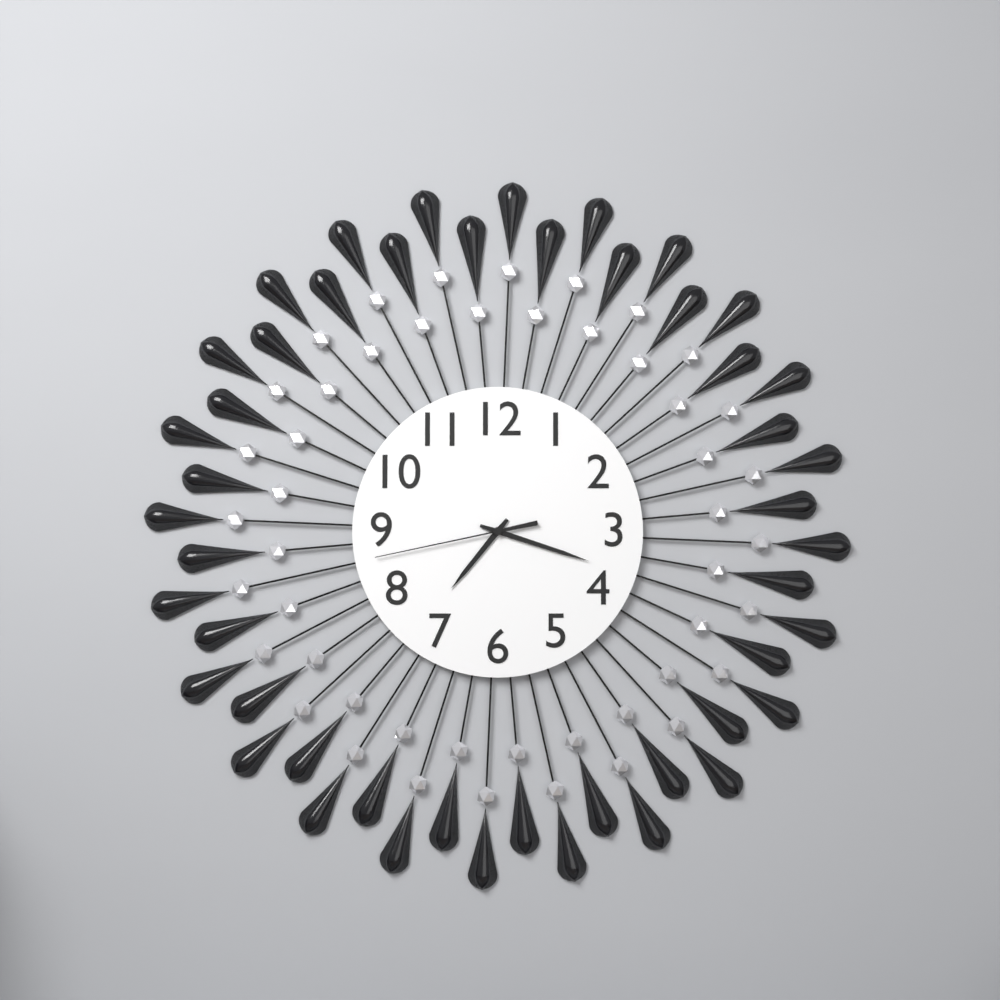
7:18:43
